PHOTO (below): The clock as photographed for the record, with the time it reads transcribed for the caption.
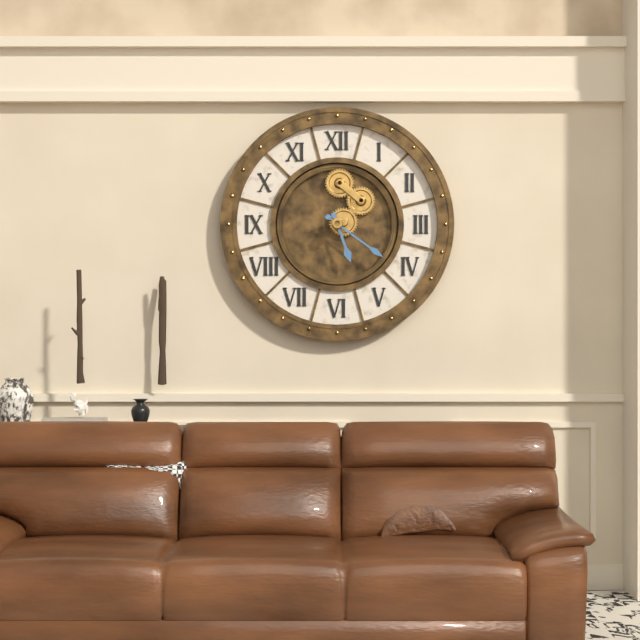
5:21
